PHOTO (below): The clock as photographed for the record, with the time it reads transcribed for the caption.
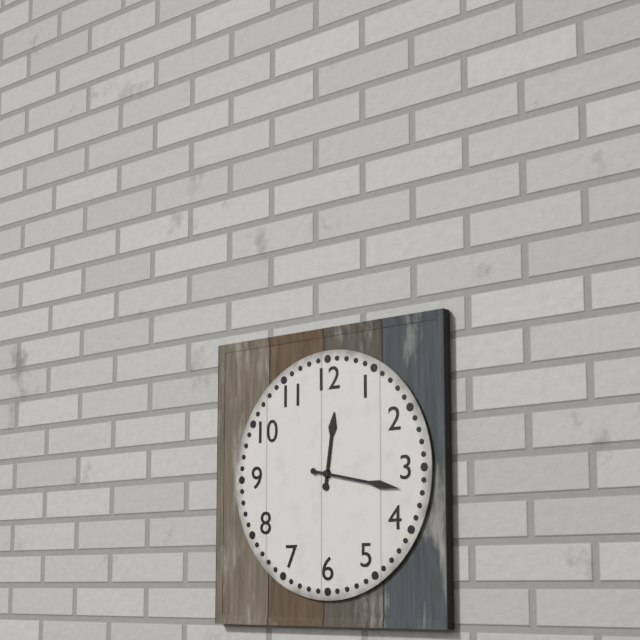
12:17
